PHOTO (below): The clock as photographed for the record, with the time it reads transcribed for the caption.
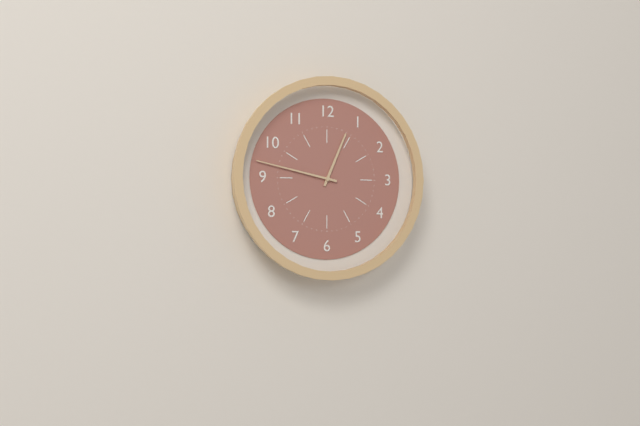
12:47
